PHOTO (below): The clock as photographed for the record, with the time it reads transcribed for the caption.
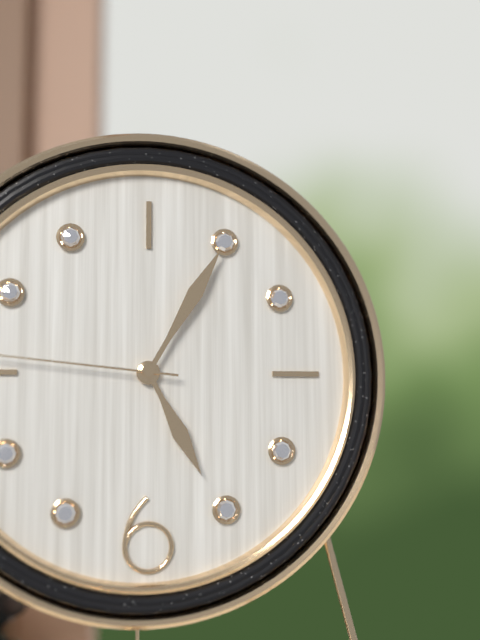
5:05
